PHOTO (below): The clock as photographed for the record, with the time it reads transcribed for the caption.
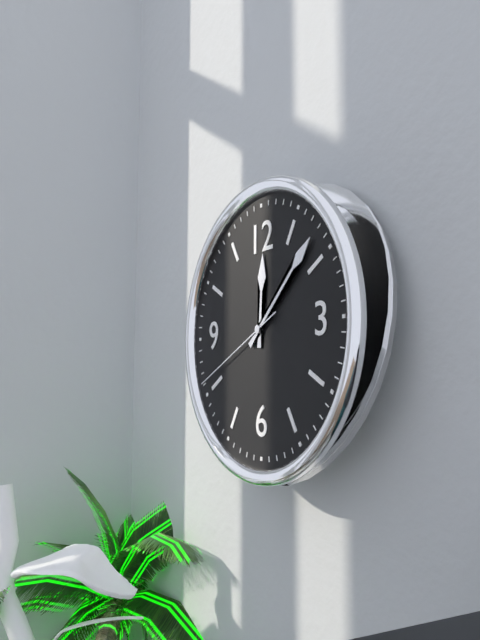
12:08:41
